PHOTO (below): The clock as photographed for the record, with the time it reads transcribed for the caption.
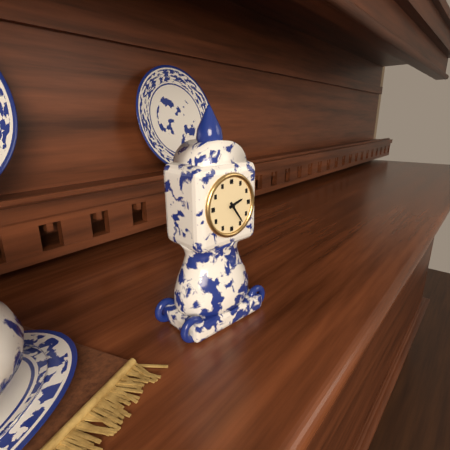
2:24
